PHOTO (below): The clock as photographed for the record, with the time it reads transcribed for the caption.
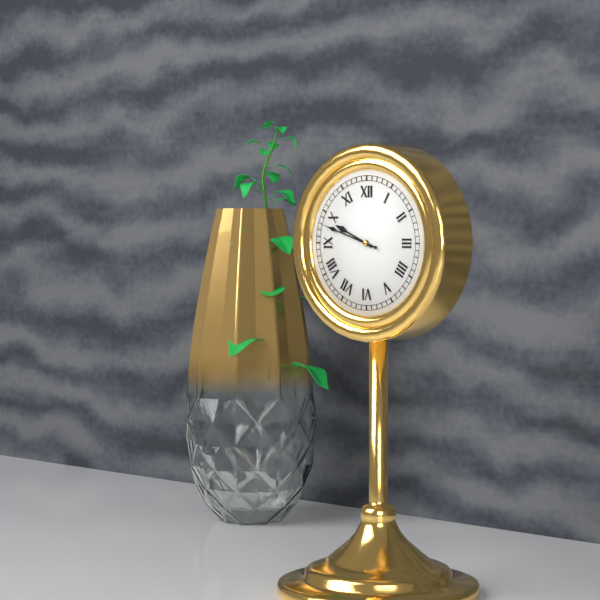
9:48
